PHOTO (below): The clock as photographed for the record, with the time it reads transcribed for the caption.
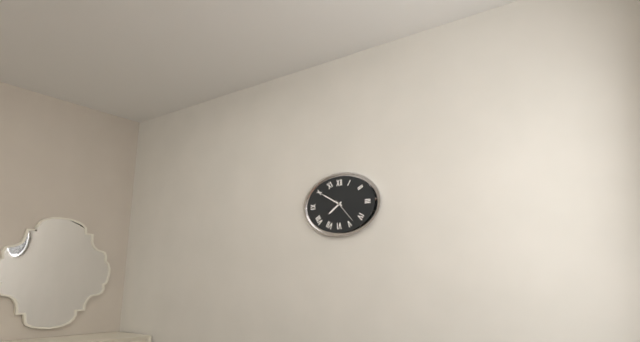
7:50
